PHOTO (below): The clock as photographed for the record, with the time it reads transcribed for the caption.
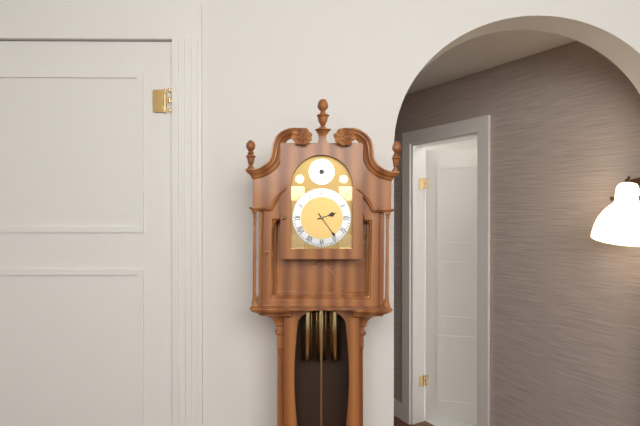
2:24
